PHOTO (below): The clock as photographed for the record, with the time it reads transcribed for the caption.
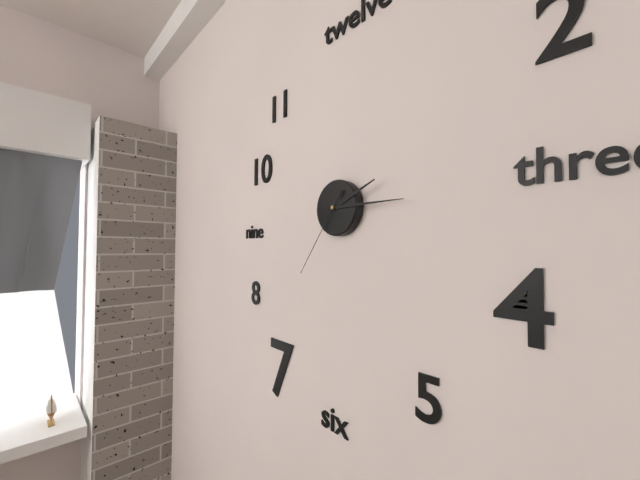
2:15:36
